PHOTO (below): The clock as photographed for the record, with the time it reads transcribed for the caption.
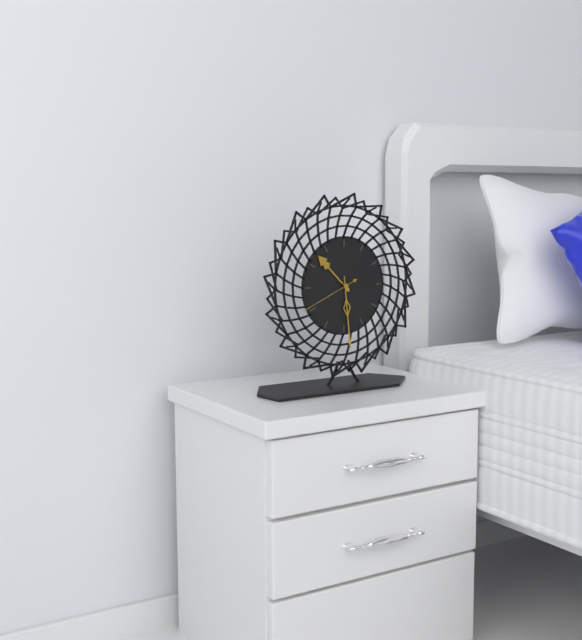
10:29:41
